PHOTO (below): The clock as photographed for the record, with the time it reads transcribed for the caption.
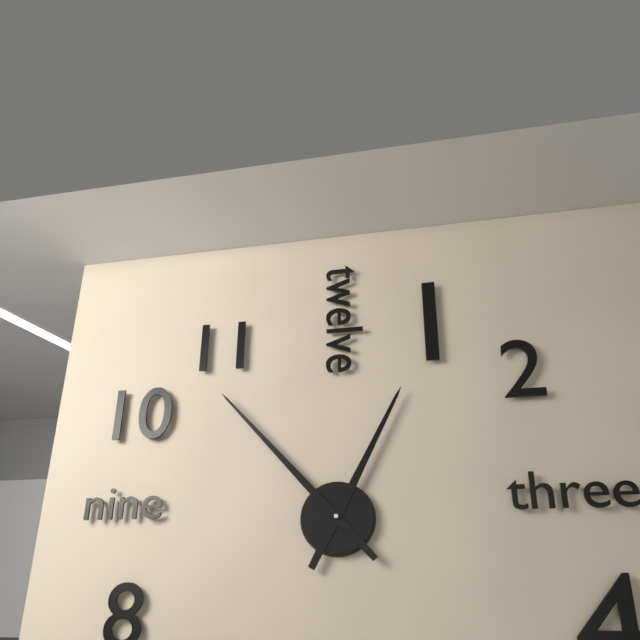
12:53
